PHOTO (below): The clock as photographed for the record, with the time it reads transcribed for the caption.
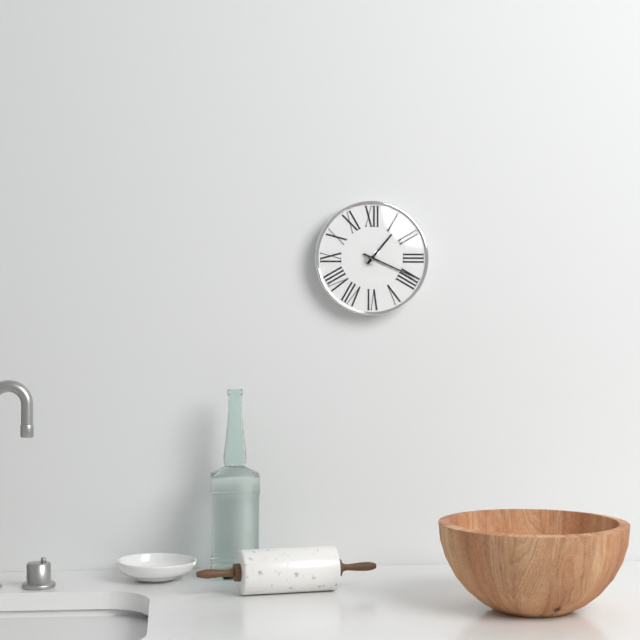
1:19
